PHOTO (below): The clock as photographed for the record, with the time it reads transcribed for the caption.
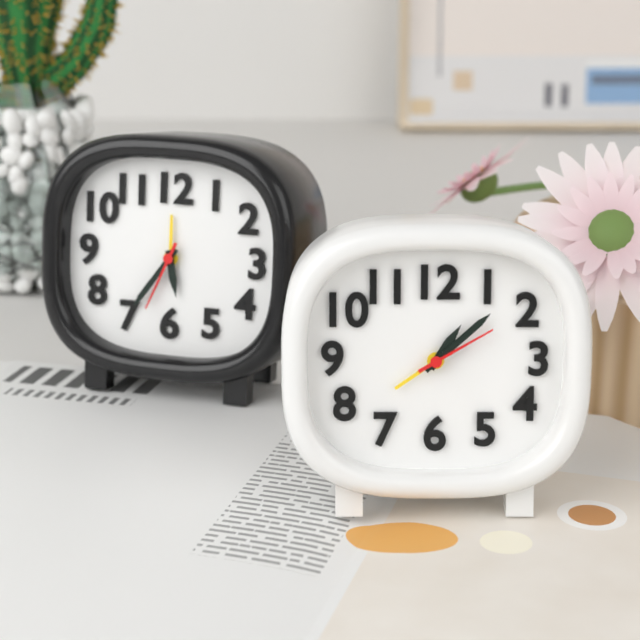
1:08:10
